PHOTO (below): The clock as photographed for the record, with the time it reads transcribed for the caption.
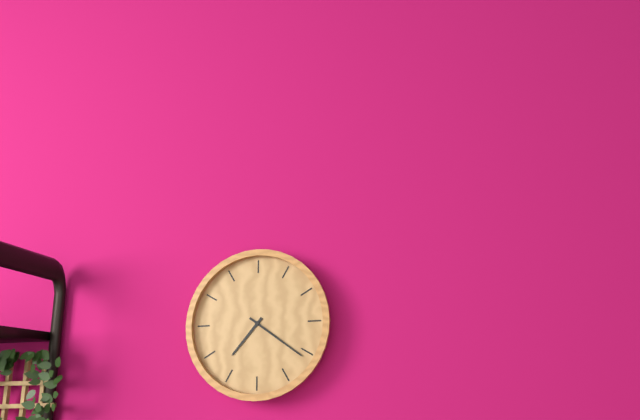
7:21
